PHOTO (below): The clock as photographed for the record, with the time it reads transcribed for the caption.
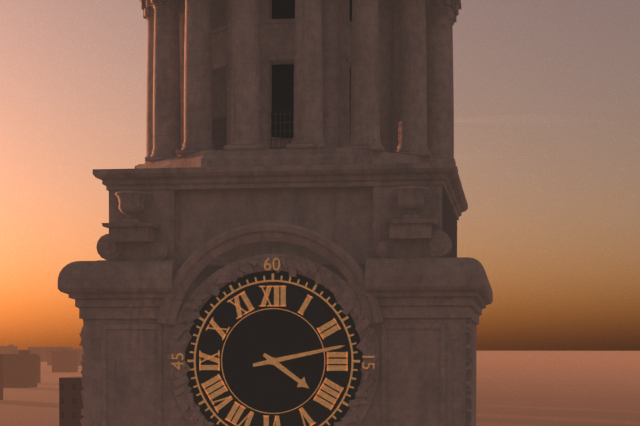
4:13
